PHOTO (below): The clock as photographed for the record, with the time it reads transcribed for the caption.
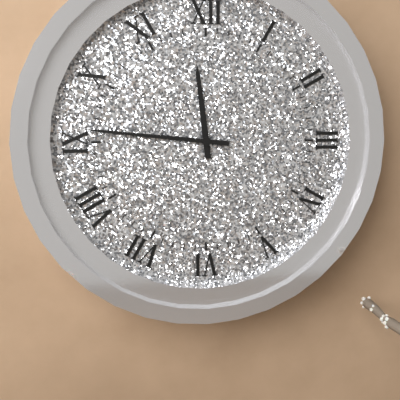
11:46
